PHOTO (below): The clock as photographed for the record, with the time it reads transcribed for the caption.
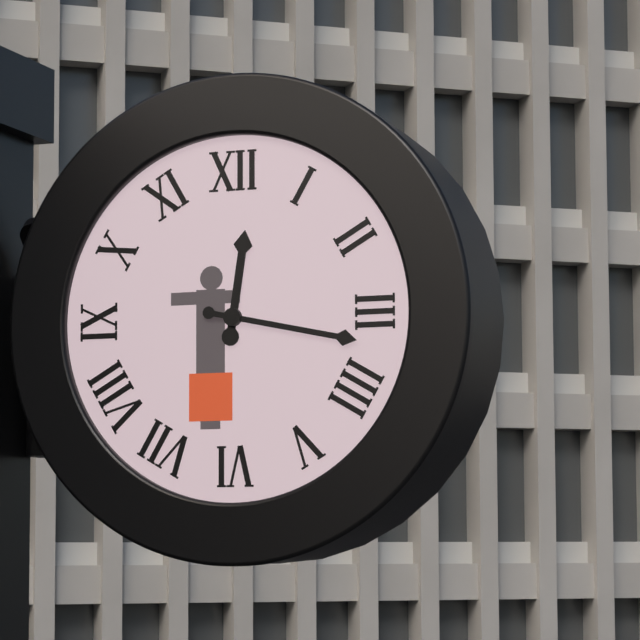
12:17
